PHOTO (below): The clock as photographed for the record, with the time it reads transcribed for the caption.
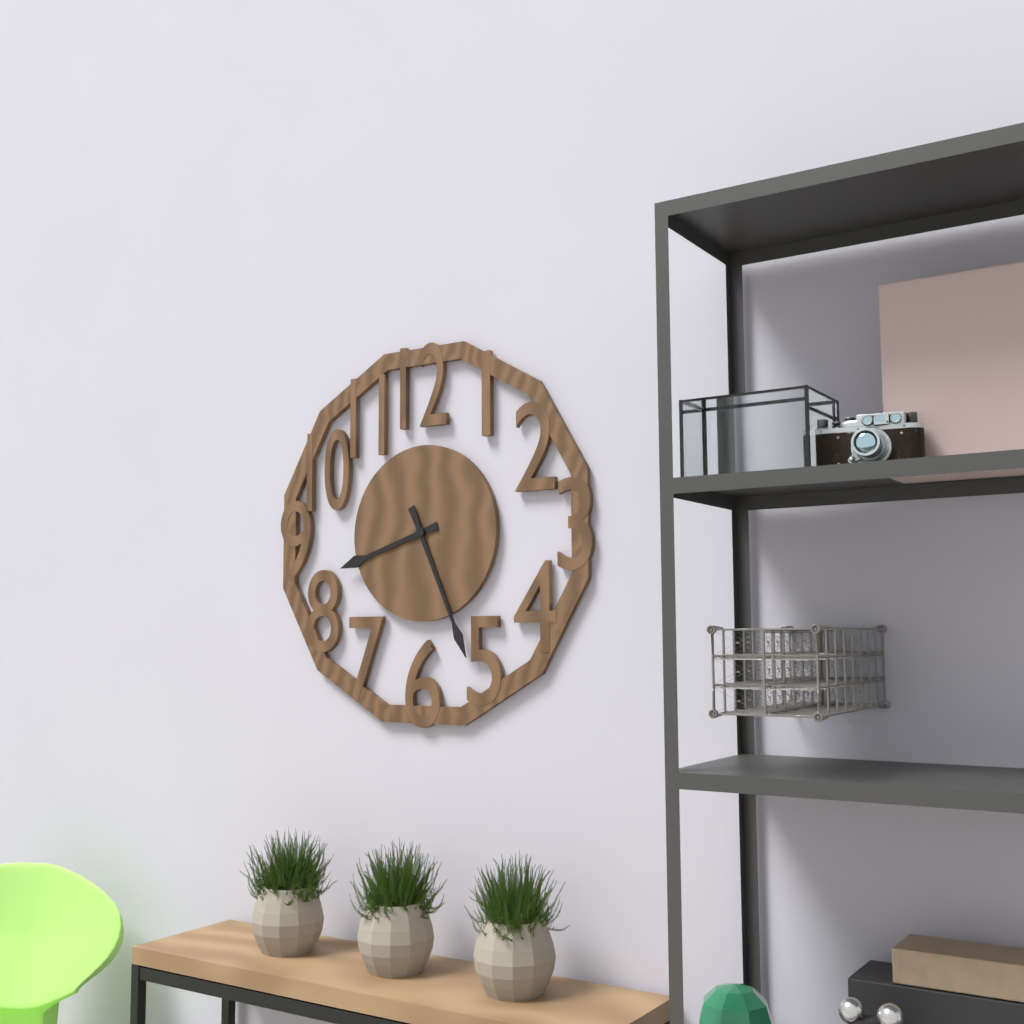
8:26
